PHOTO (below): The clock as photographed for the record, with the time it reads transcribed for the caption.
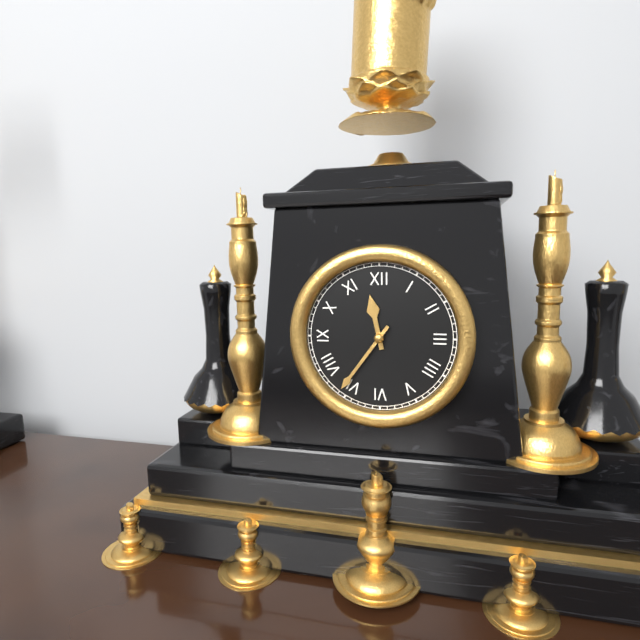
11:36
